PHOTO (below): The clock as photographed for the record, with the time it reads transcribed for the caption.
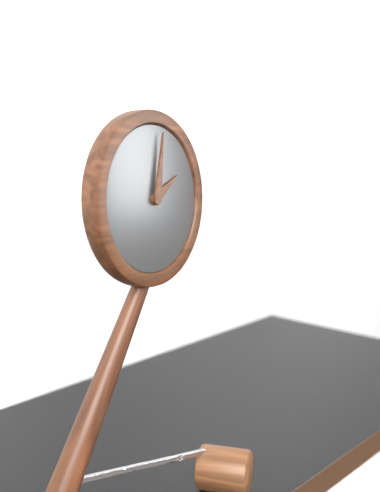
2:02
